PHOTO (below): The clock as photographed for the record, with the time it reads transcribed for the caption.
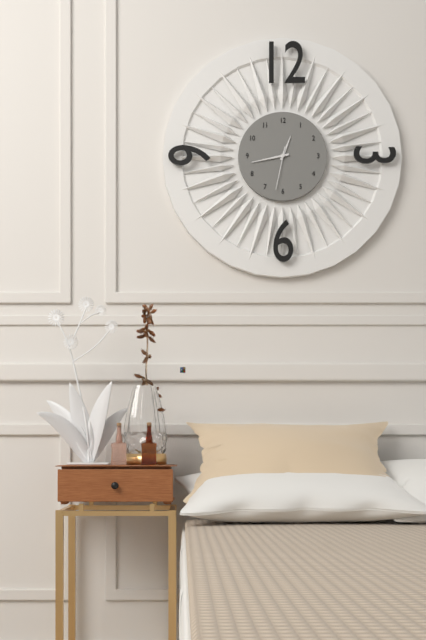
12:43
